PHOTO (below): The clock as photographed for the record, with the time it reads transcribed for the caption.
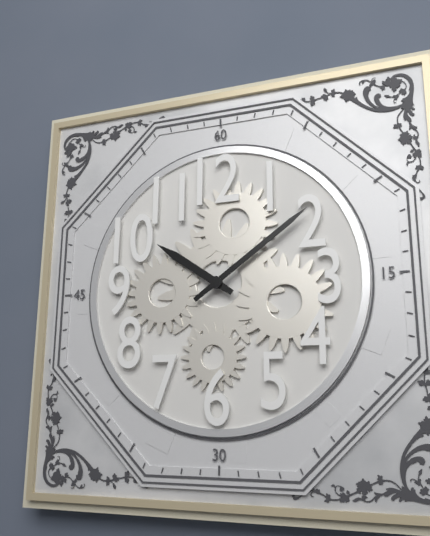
10:09
